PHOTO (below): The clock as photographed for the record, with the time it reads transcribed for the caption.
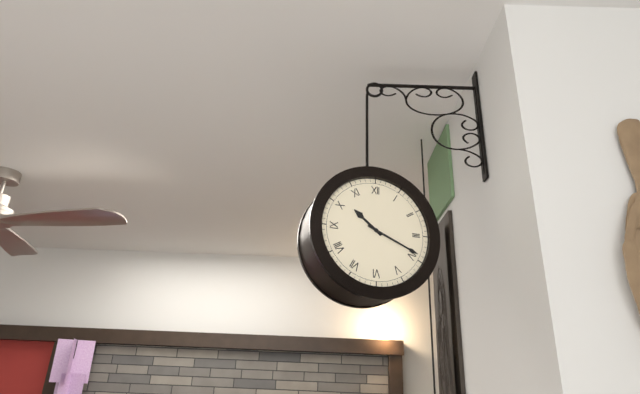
10:19
